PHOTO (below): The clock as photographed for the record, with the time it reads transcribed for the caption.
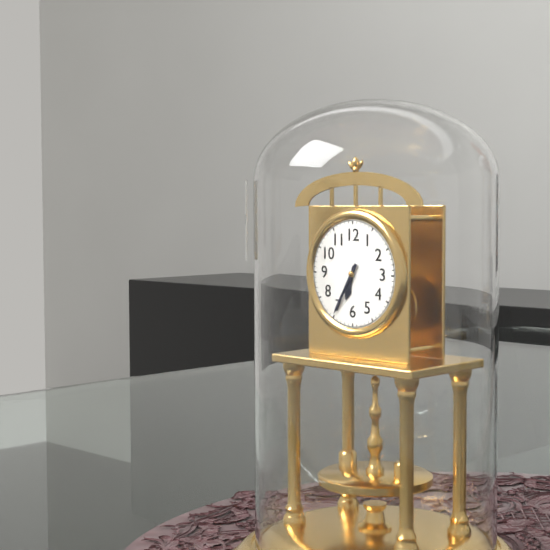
6:35
